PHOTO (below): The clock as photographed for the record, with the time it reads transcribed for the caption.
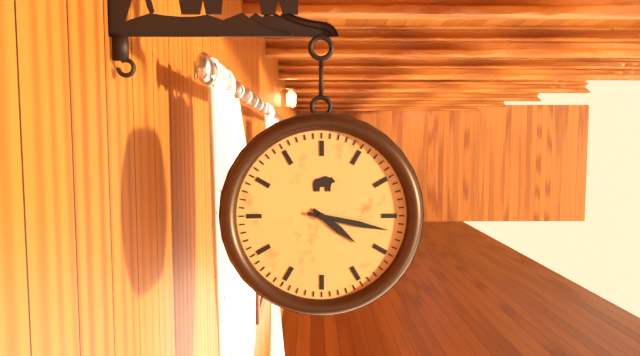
4:17
